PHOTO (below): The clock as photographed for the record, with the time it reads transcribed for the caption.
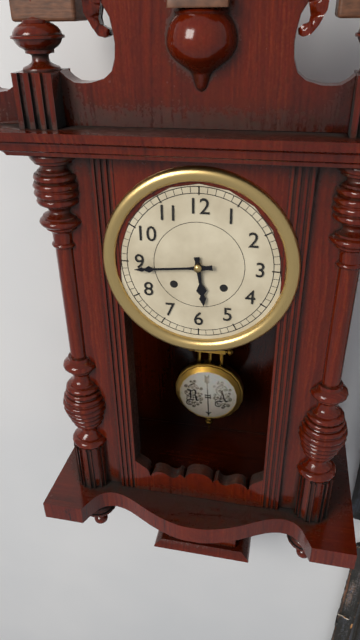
5:44
